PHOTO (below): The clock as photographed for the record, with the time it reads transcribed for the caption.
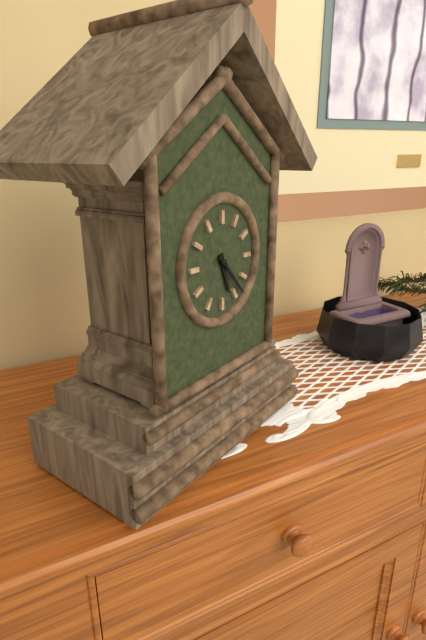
5:23
